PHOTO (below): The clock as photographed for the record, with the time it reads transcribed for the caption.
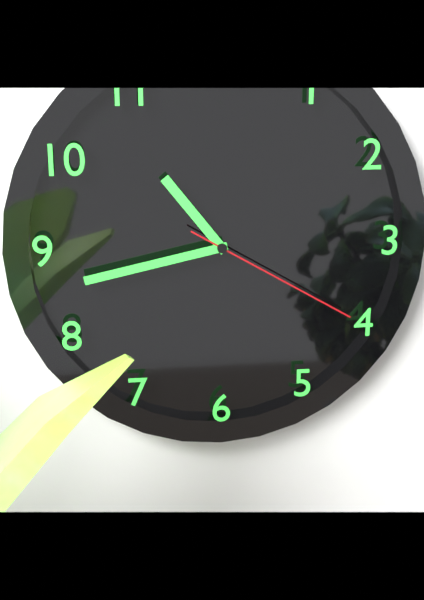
10:43:20
